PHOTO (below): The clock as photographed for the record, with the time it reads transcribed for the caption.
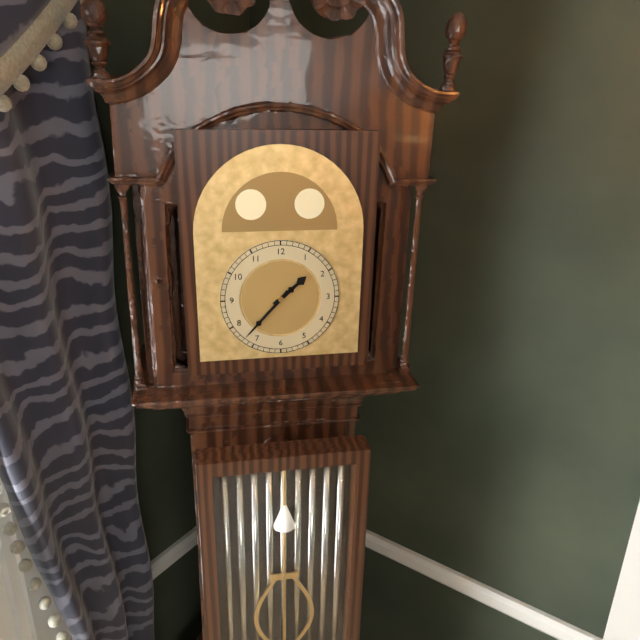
1:37
